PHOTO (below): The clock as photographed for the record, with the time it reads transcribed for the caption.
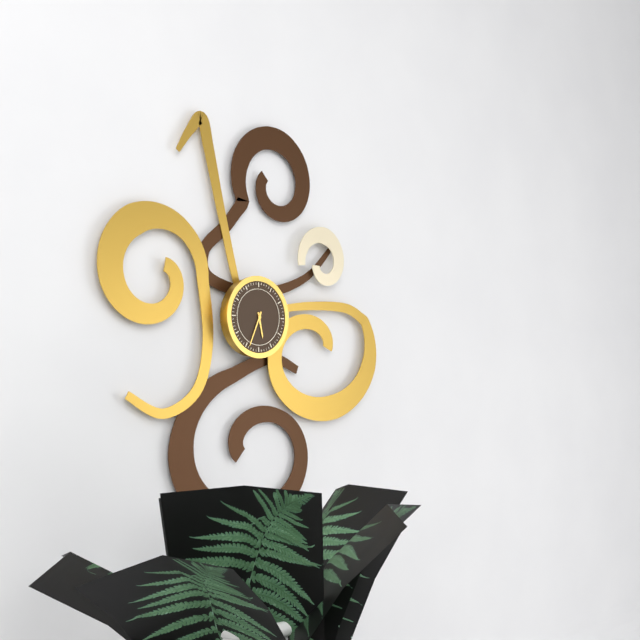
5:34
